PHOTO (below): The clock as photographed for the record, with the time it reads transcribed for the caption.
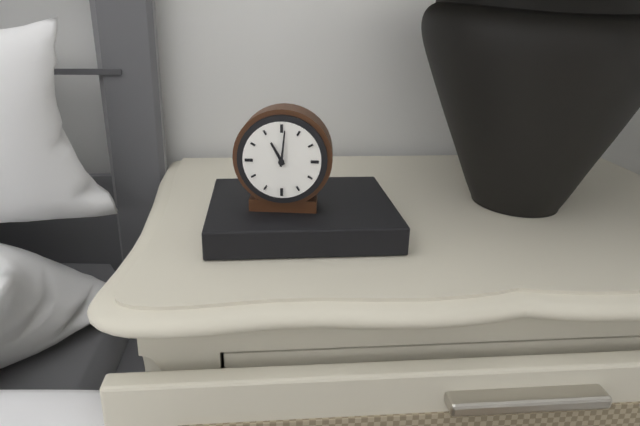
11:01
